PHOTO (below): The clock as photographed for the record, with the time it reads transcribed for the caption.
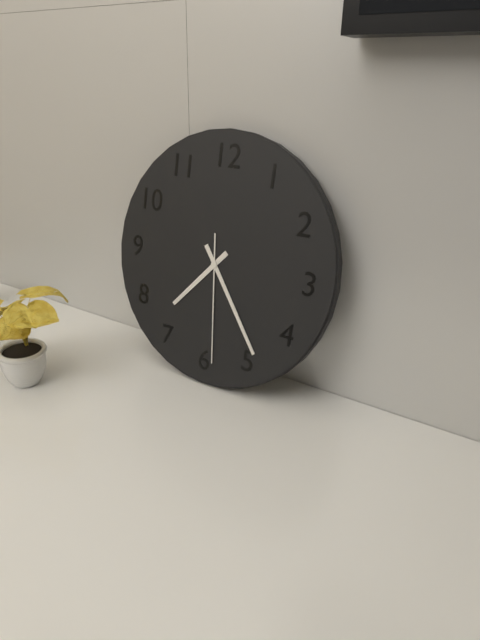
7:24:29
